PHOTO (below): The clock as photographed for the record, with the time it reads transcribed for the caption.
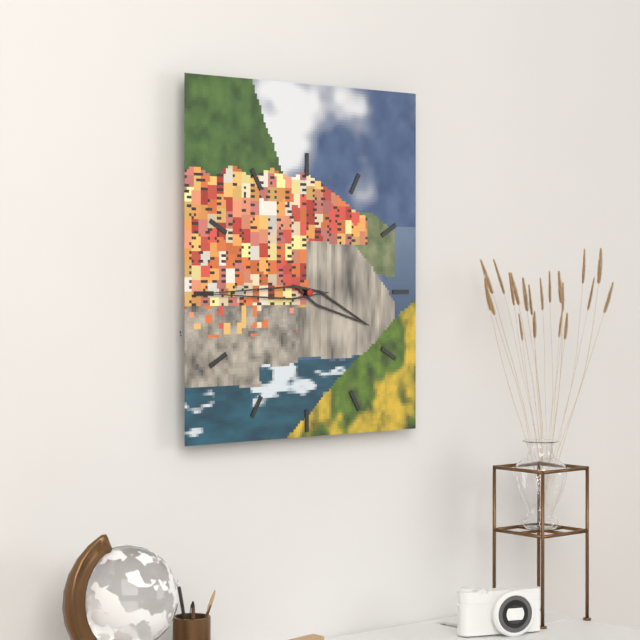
3:45
